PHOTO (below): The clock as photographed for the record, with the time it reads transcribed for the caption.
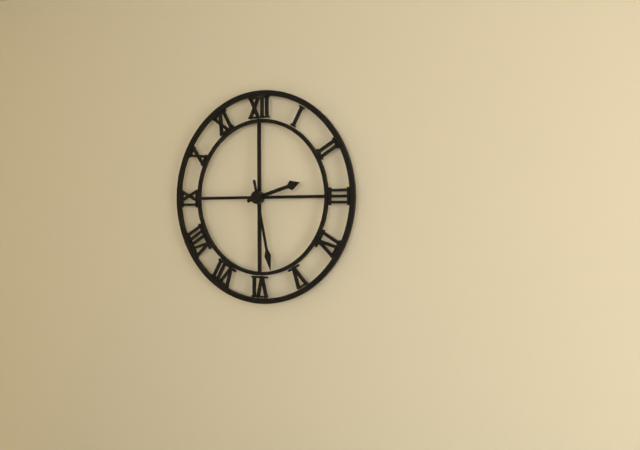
2:28
